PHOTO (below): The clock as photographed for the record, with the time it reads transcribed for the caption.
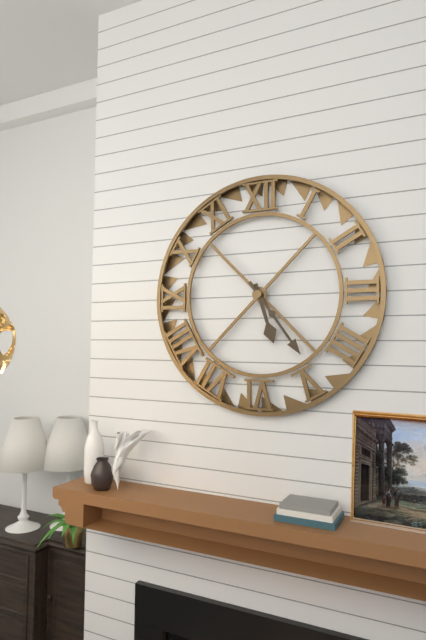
5:24
